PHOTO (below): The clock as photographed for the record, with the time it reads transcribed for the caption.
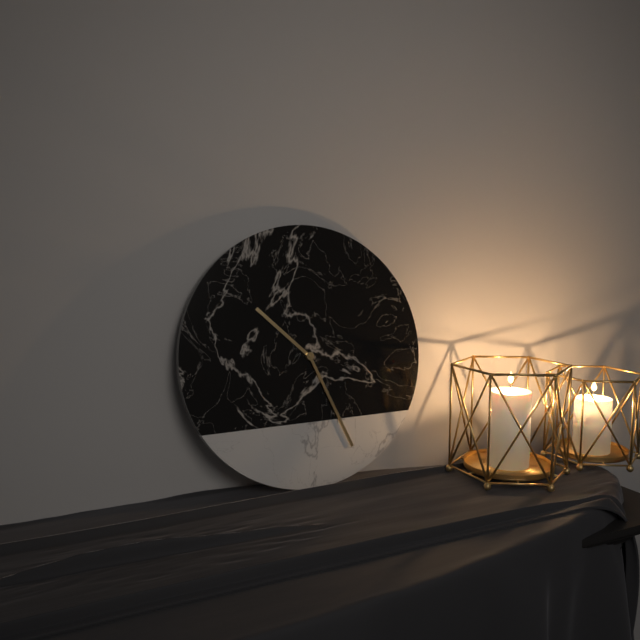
10:26
